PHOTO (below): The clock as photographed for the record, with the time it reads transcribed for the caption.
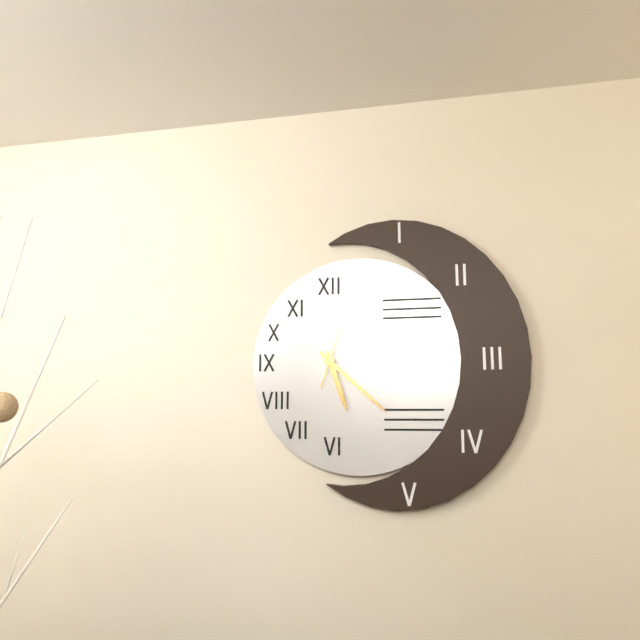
5:22:03
